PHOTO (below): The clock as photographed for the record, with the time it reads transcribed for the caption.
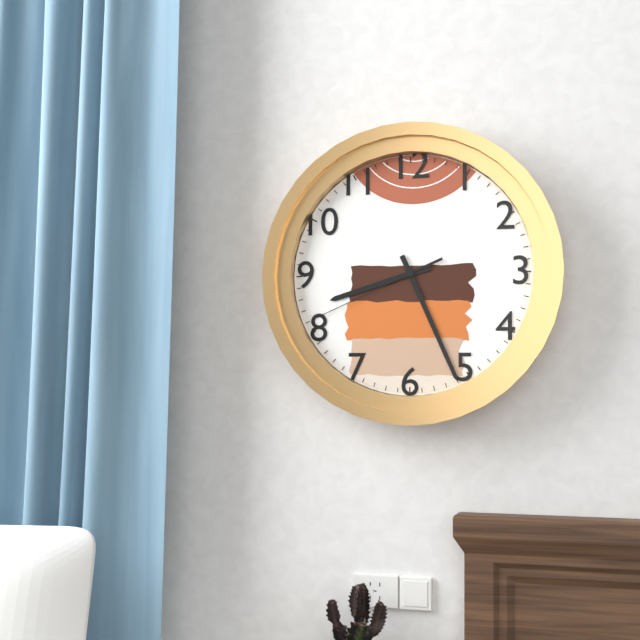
8:26:41
